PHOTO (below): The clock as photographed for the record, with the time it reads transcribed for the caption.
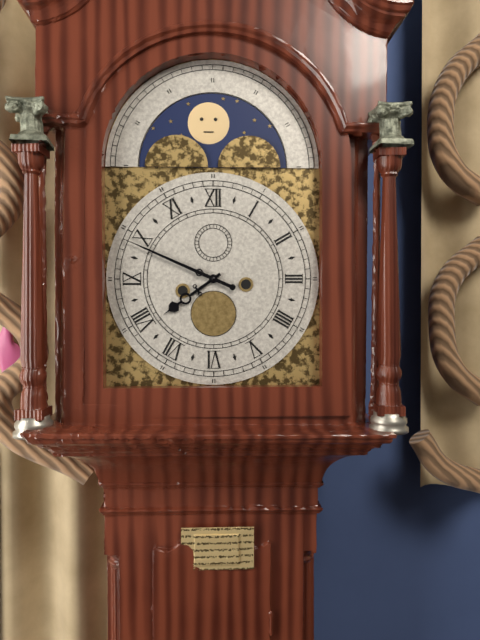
7:49
